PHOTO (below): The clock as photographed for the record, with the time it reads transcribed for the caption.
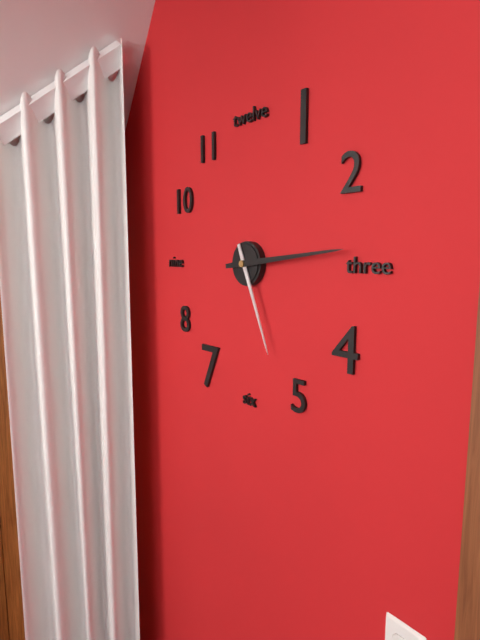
5:14
